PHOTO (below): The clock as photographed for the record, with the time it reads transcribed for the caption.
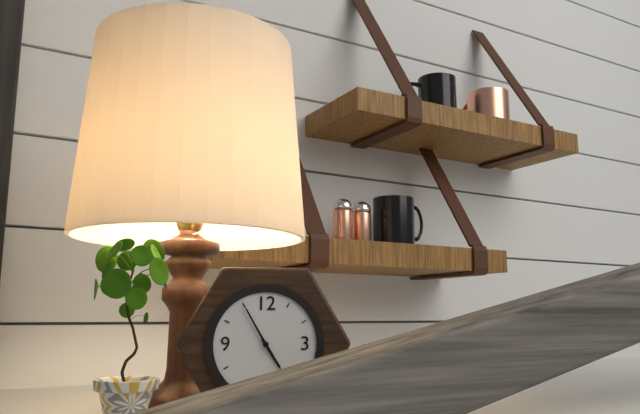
4:55
